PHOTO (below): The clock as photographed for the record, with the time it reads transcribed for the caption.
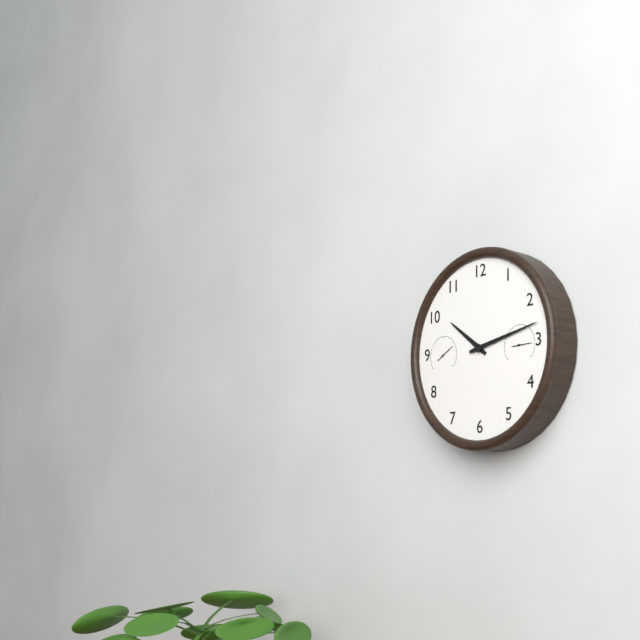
10:13
